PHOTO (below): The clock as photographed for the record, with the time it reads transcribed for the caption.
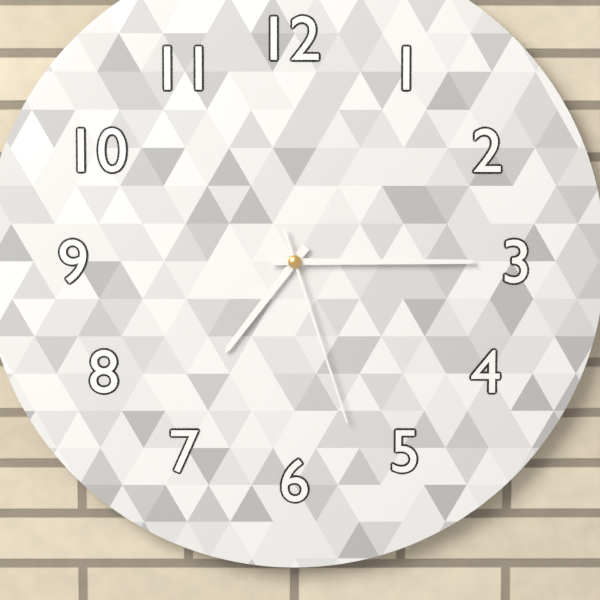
7:15:27
